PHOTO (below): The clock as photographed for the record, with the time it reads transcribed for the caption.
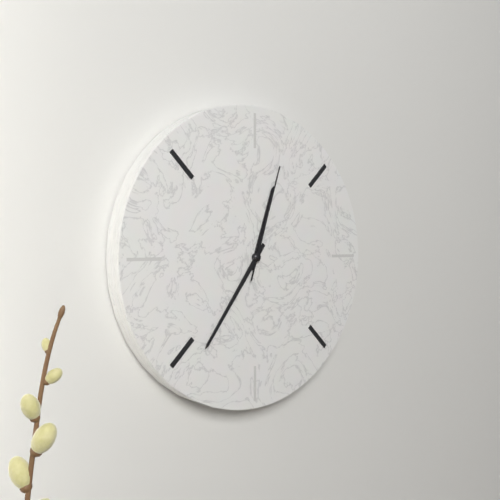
12:36:03
